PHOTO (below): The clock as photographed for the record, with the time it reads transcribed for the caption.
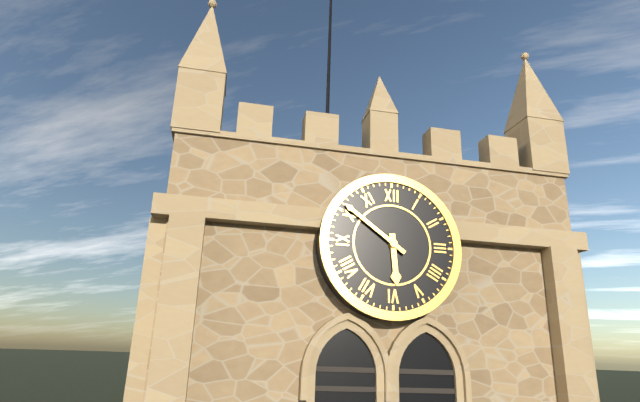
5:51
